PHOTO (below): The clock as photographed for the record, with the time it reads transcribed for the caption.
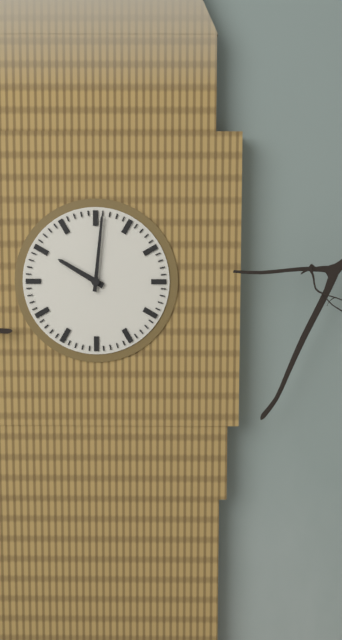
10:01
